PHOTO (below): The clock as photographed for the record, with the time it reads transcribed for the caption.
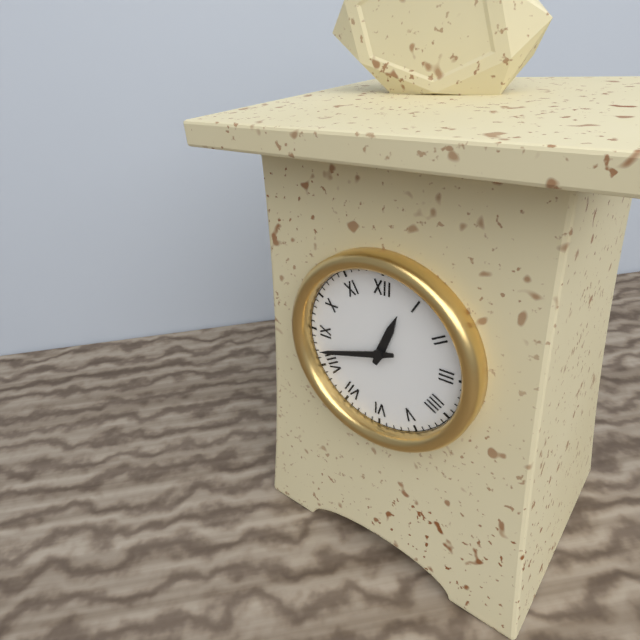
12:42
